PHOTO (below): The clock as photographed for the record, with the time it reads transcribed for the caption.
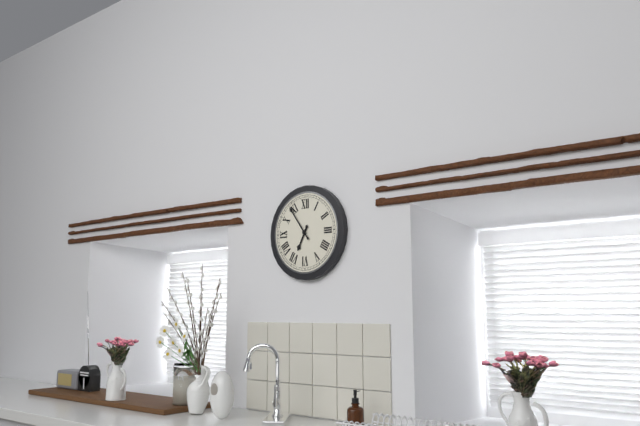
6:54
